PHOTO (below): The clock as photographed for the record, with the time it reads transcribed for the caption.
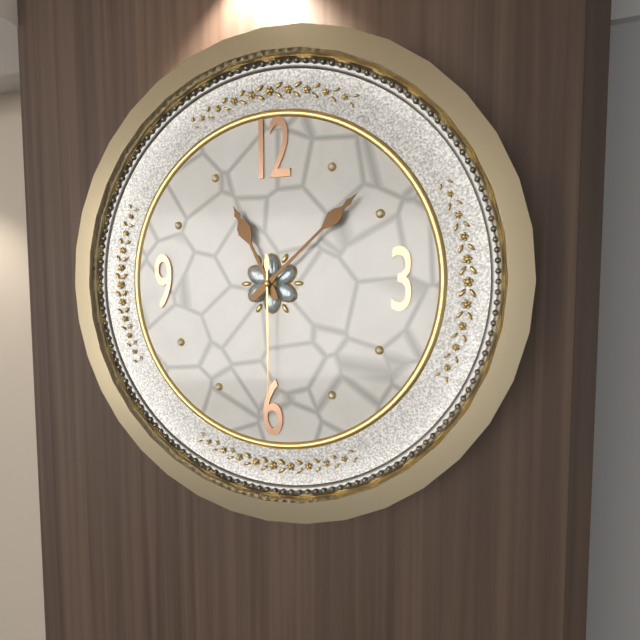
11:08:30
